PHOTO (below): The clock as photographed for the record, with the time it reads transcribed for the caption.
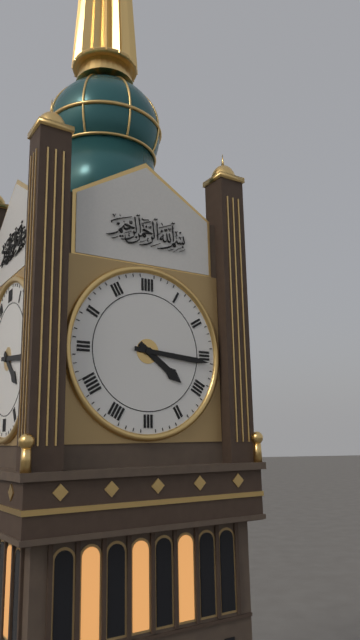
4:16
